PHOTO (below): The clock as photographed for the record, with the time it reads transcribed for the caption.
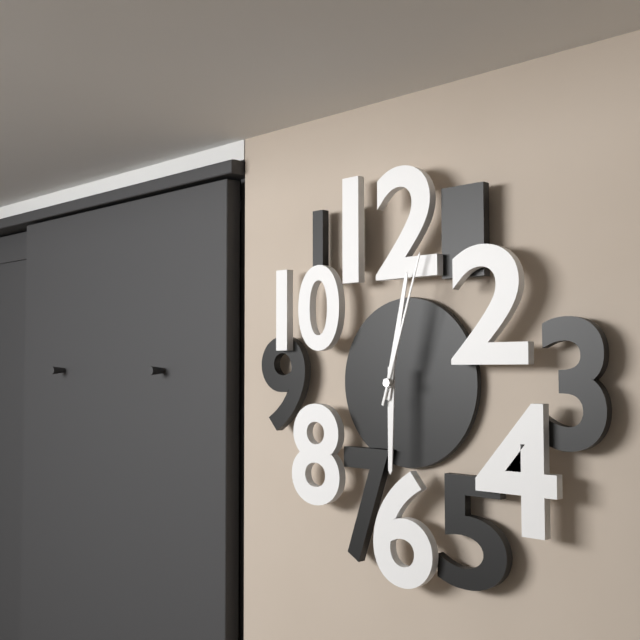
6:02:03
